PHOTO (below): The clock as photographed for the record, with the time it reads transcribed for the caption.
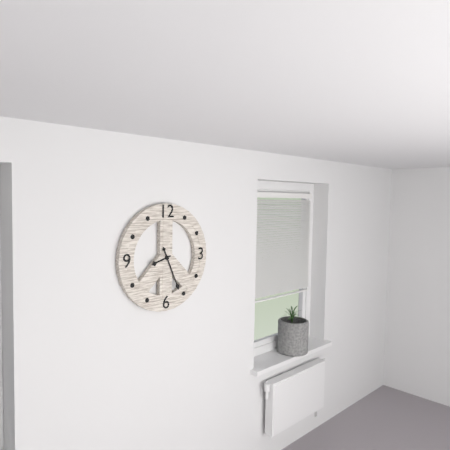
8:26
